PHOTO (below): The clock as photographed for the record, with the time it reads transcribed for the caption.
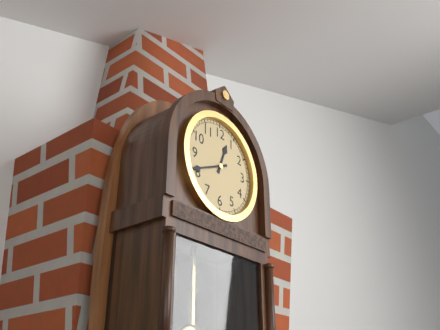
12:41
